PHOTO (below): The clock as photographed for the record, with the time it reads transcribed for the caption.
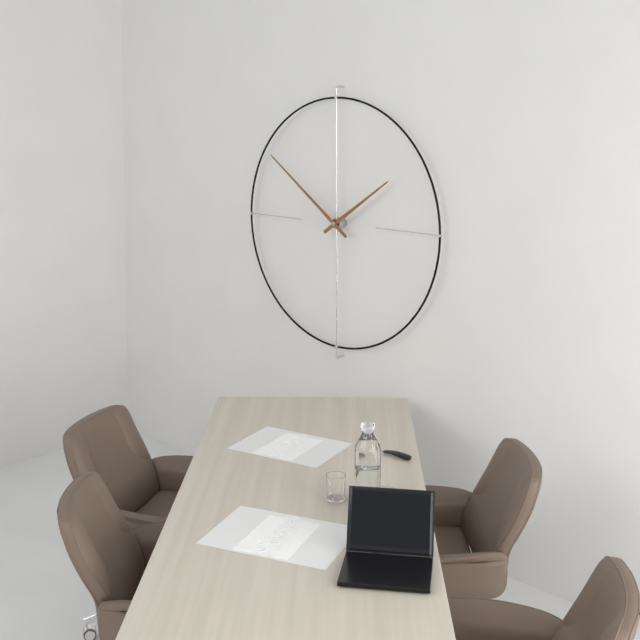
1:51
